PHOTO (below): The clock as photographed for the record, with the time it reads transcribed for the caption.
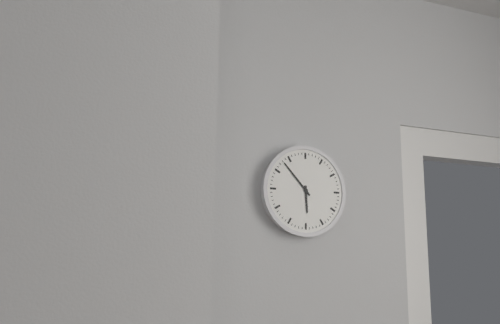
5:53
